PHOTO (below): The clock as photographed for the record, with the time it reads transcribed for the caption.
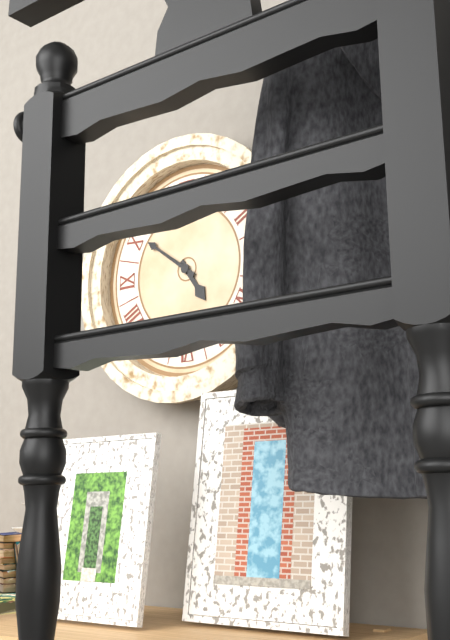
4:51
